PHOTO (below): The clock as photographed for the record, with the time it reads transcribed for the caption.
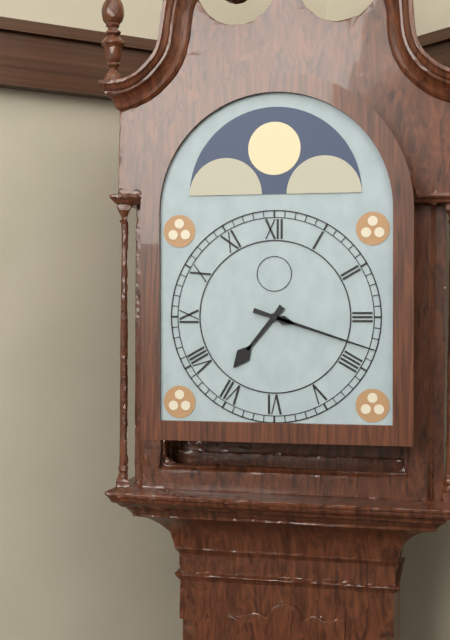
7:18
